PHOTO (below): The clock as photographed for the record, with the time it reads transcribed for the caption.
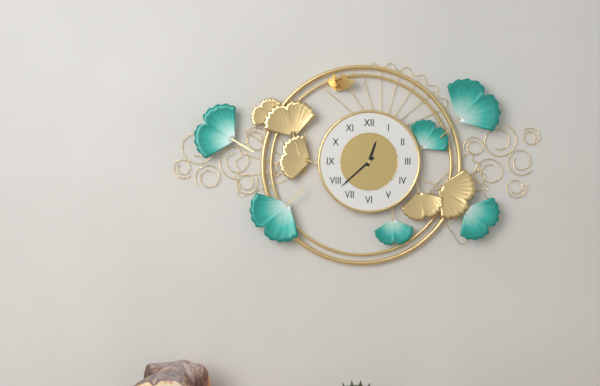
12:38
